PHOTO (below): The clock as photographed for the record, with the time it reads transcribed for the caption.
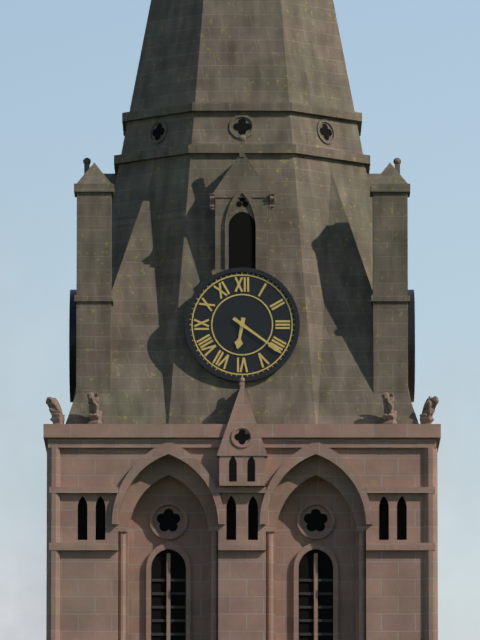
6:21
